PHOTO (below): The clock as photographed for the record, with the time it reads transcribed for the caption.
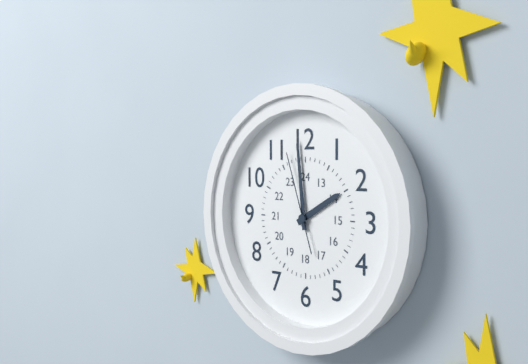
1:59:57
